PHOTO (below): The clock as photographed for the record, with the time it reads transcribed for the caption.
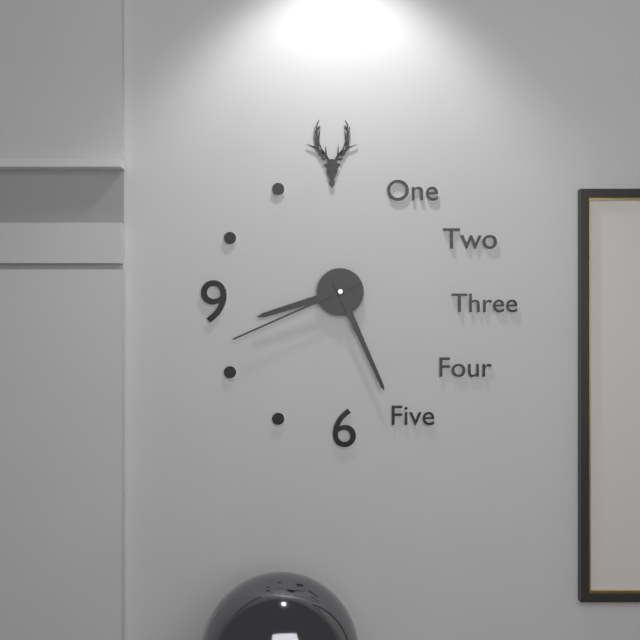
8:26:41
